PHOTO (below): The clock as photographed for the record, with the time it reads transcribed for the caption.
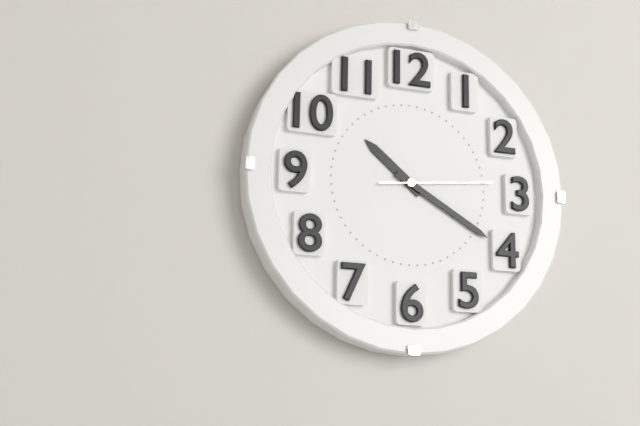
10:20:14
